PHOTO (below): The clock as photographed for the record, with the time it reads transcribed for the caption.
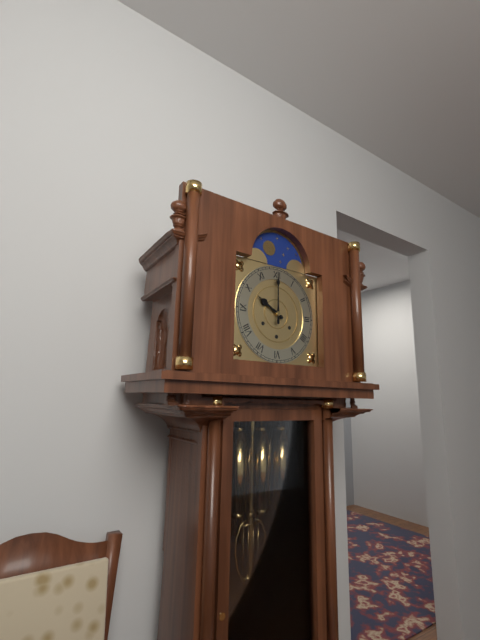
10:00
